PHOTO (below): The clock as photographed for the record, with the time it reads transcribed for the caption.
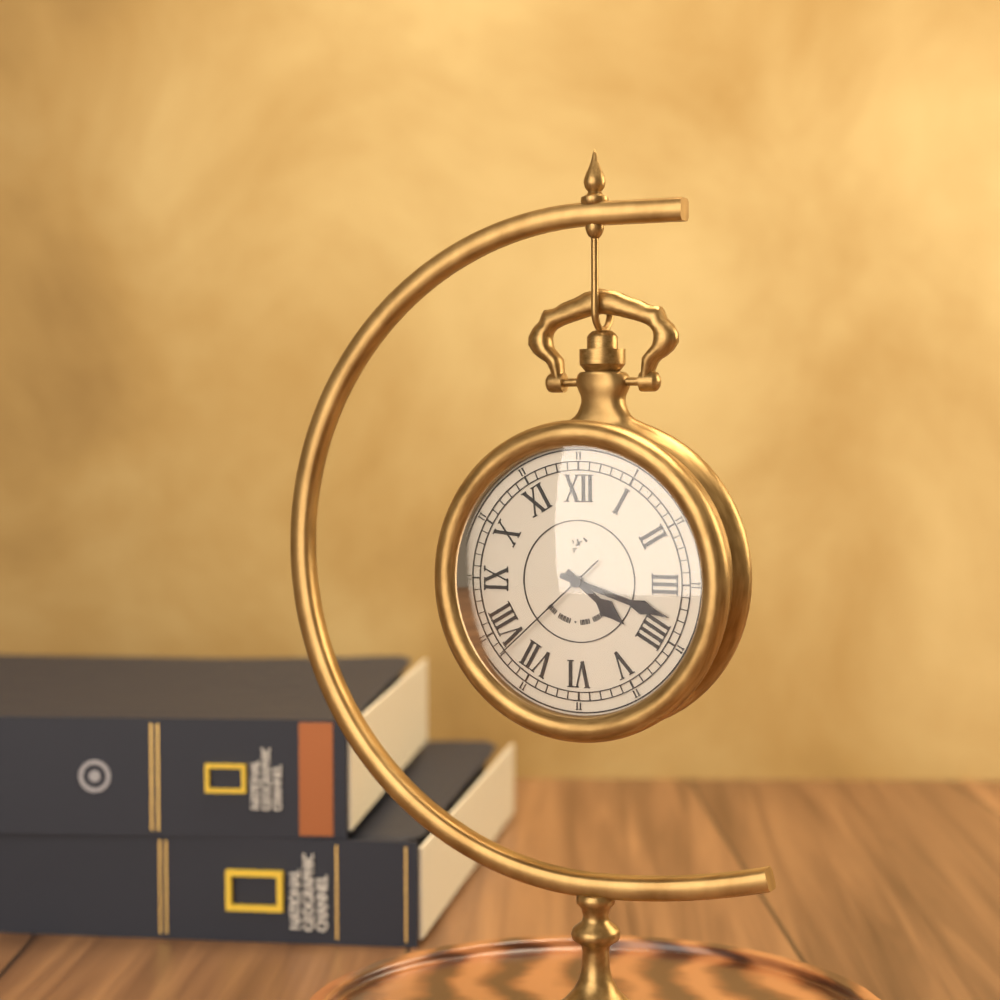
4:18:38
